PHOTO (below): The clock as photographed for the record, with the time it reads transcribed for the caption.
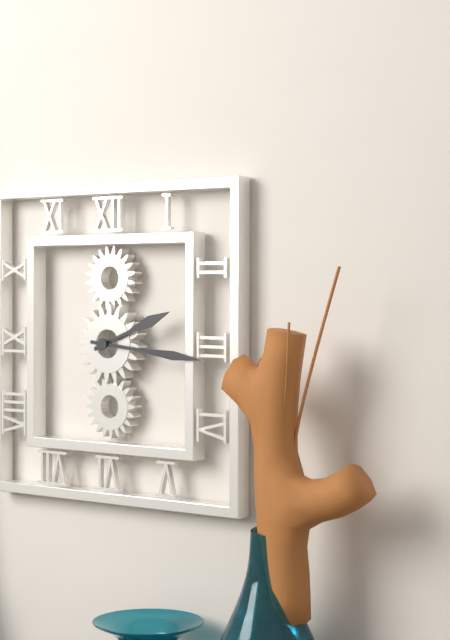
2:16
